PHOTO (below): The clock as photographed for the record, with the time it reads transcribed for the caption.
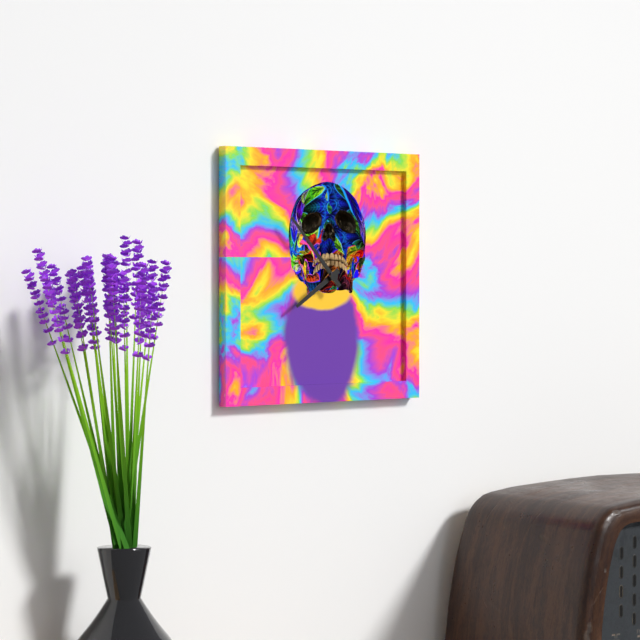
7:53
